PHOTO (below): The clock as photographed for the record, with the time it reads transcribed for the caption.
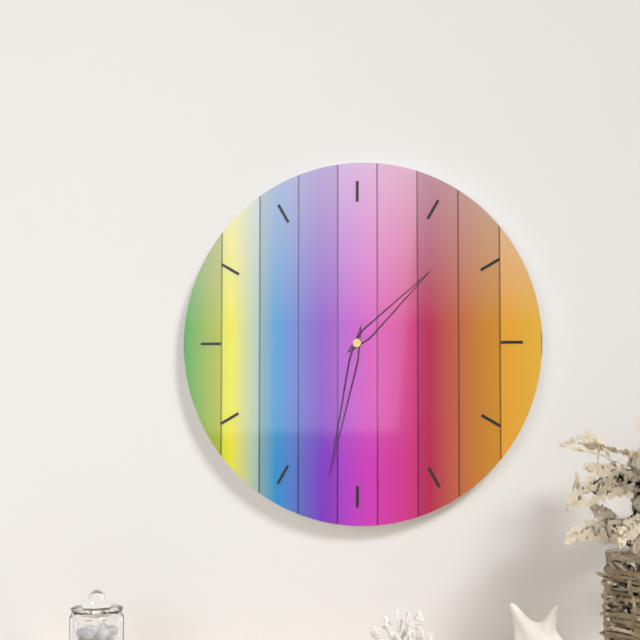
1:32
